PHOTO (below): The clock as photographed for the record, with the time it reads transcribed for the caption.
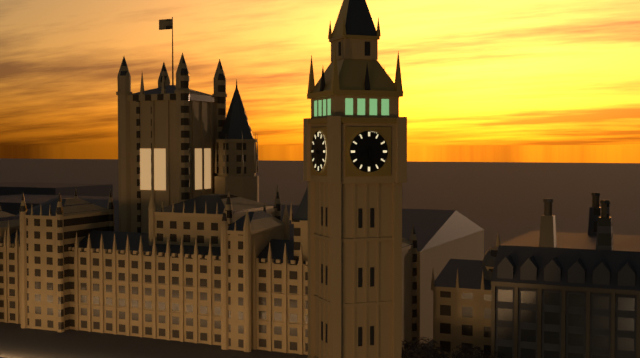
8:29
